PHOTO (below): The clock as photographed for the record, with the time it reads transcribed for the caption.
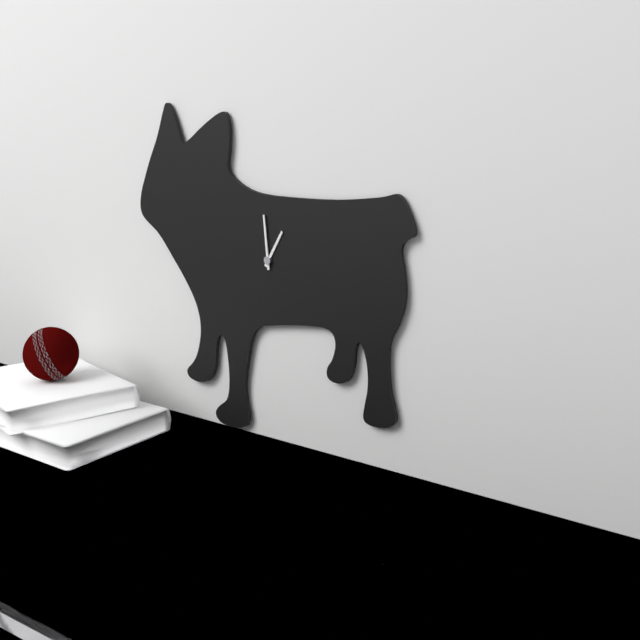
12:59
